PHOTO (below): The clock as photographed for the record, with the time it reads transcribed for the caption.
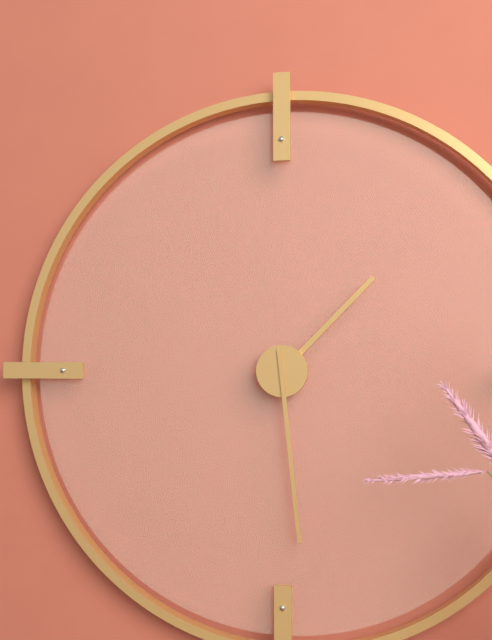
1:29
